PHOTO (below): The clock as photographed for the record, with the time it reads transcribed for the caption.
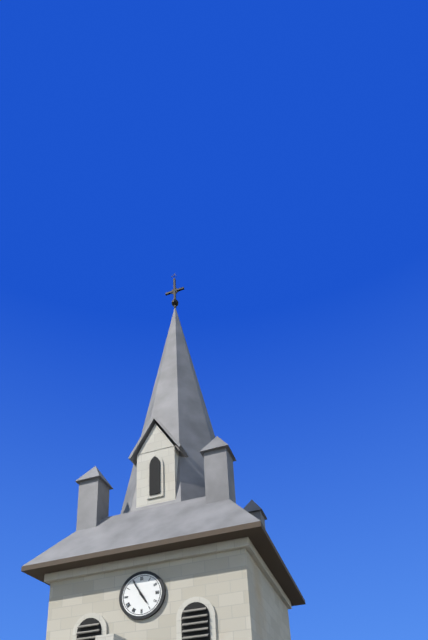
4:55
